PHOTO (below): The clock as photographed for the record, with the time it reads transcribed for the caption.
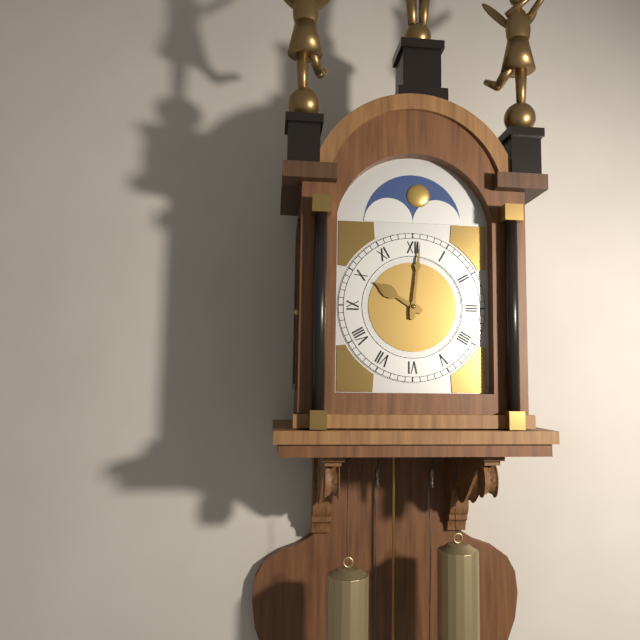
10:01
